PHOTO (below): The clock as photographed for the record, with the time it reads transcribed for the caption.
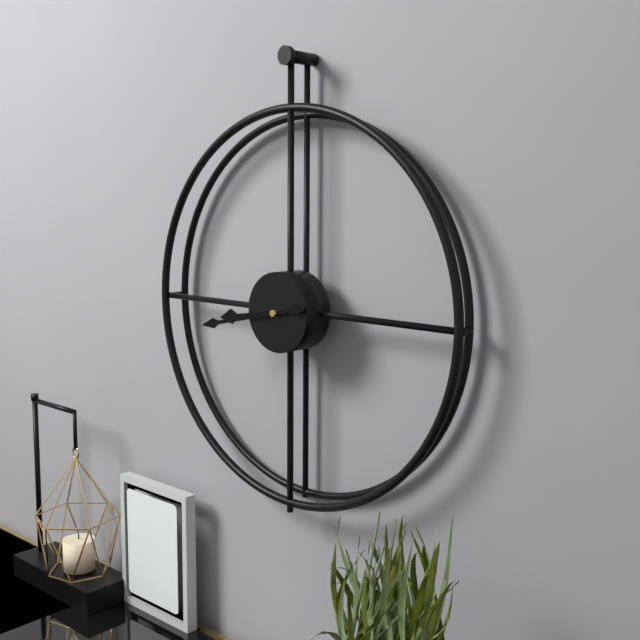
8:43
